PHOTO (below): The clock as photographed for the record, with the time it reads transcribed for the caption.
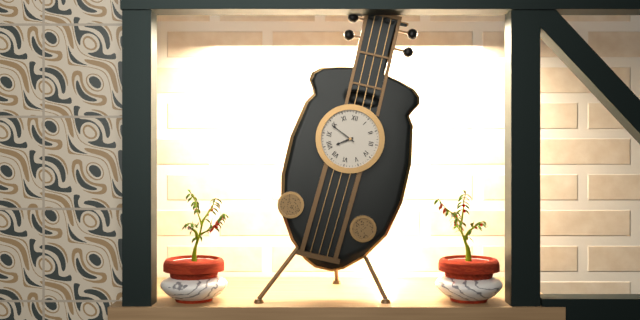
7:49
